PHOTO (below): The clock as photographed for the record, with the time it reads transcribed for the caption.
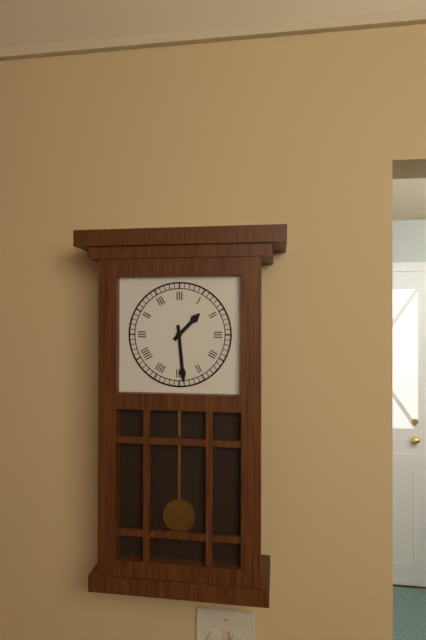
1:29
